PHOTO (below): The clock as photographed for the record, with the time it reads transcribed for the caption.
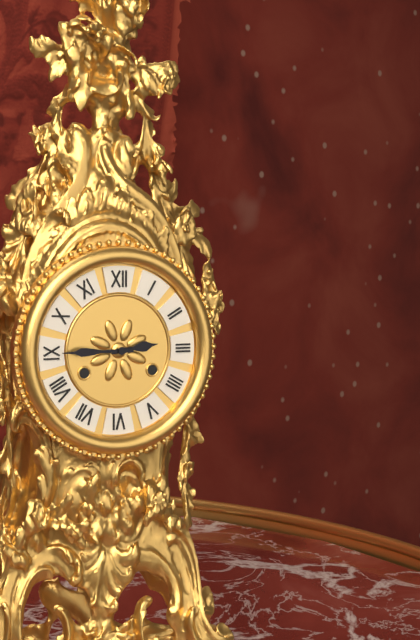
2:45
